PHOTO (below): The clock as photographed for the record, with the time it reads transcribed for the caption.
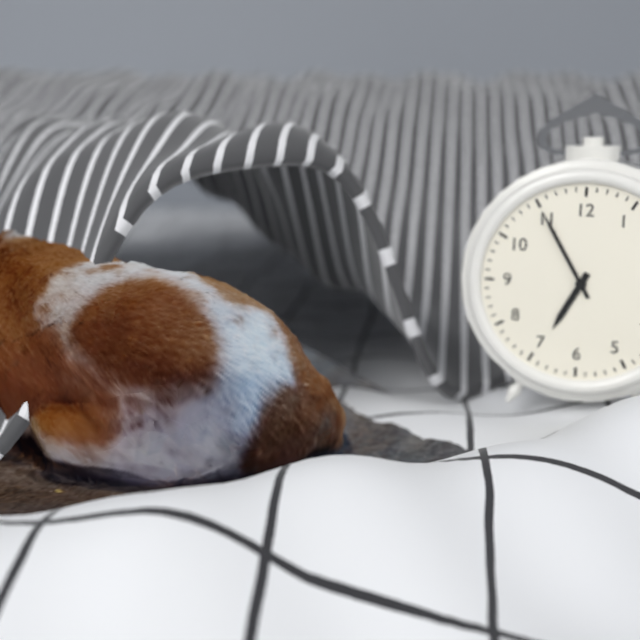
6:55
